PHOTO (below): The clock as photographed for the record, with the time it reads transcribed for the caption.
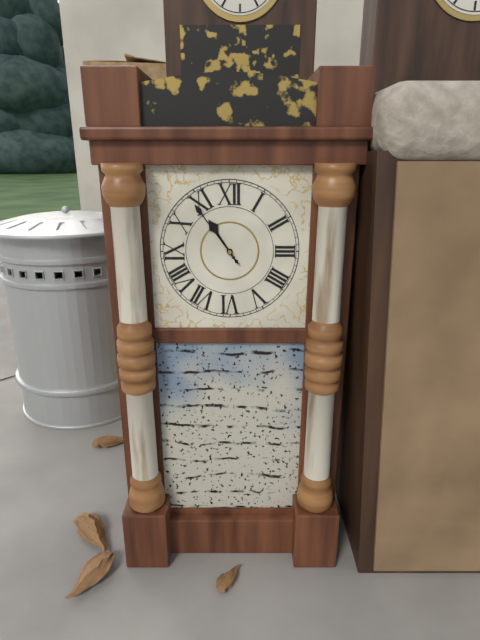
10:54
